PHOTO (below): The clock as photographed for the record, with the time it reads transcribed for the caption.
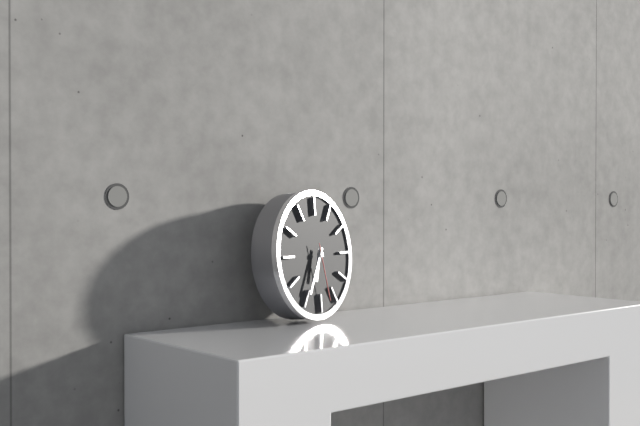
6:35:28
